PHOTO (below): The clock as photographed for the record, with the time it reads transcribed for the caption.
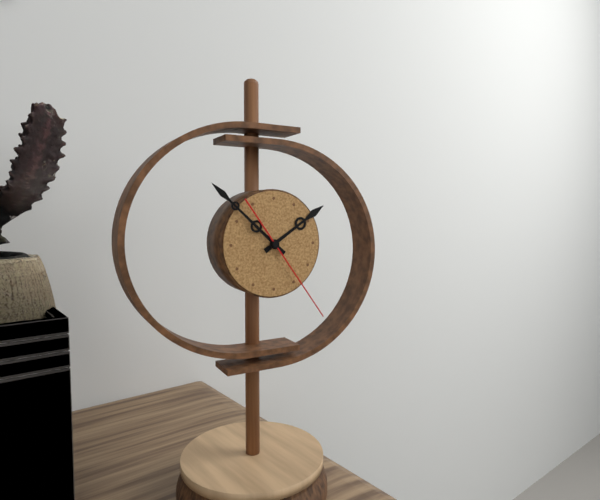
1:52:24
